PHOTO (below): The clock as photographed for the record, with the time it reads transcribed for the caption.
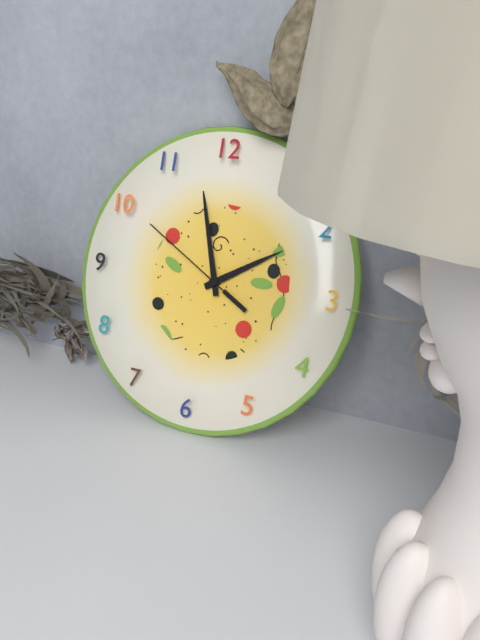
1:57:50
